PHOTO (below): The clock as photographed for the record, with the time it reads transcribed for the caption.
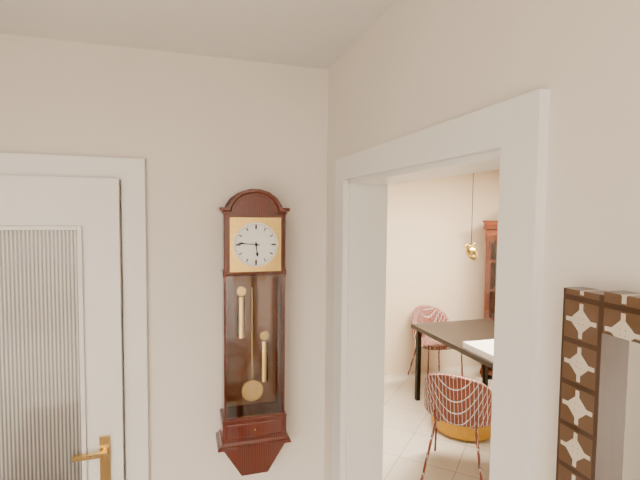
5:46
